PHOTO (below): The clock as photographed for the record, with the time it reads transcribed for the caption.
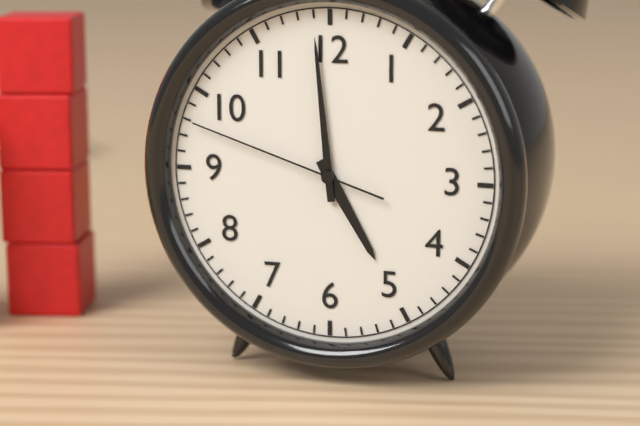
4:59:48
